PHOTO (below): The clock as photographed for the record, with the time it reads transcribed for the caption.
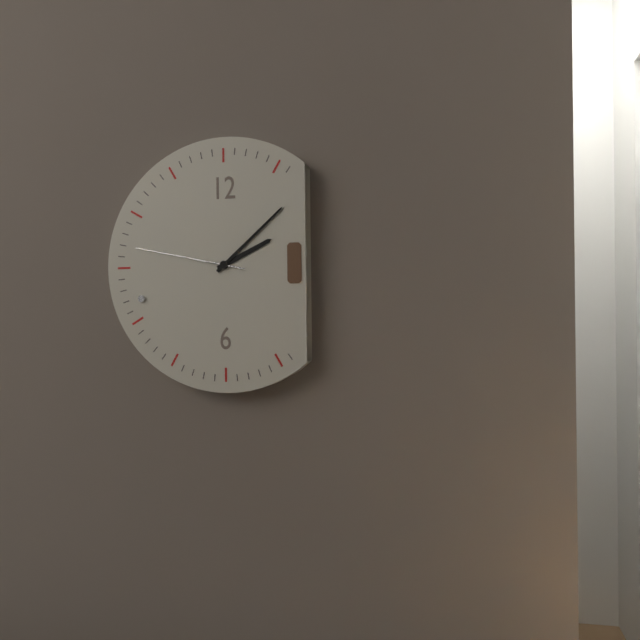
2:08:47
